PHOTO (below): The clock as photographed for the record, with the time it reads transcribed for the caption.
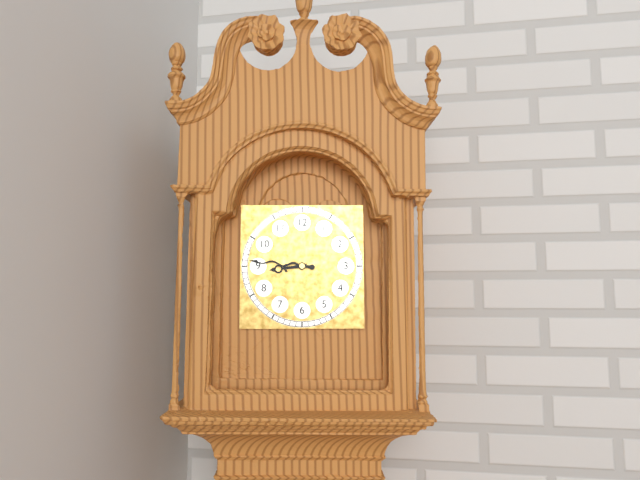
8:46
